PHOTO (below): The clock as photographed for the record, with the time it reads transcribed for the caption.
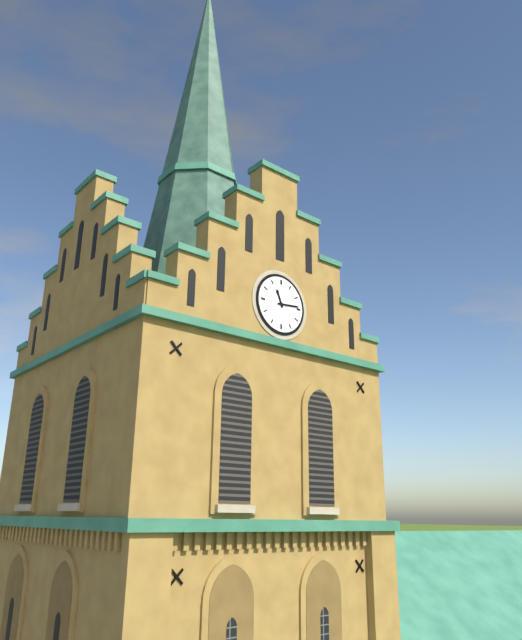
11:14
